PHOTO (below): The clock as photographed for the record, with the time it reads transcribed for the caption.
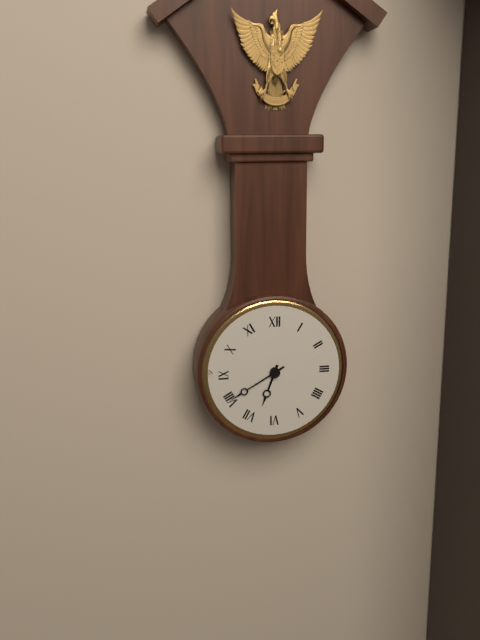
6:40
